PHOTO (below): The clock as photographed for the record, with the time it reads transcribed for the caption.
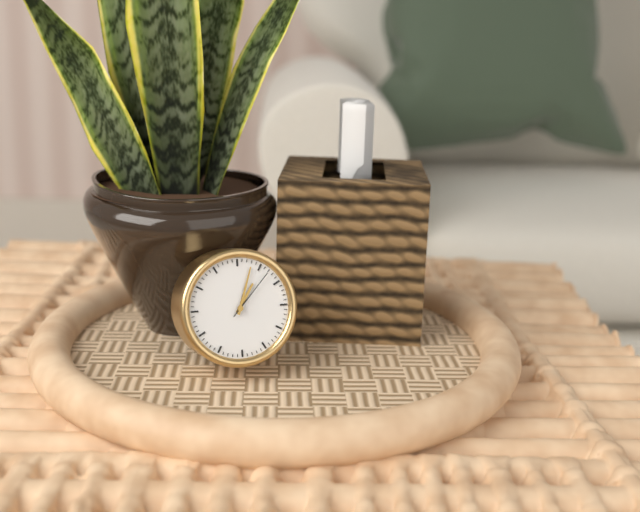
1:03:07
